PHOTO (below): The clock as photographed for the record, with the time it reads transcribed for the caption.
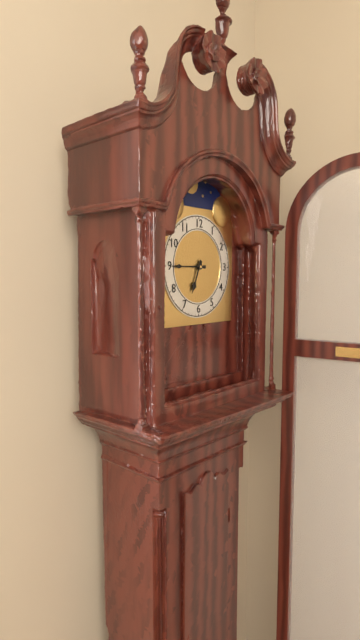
6:45
